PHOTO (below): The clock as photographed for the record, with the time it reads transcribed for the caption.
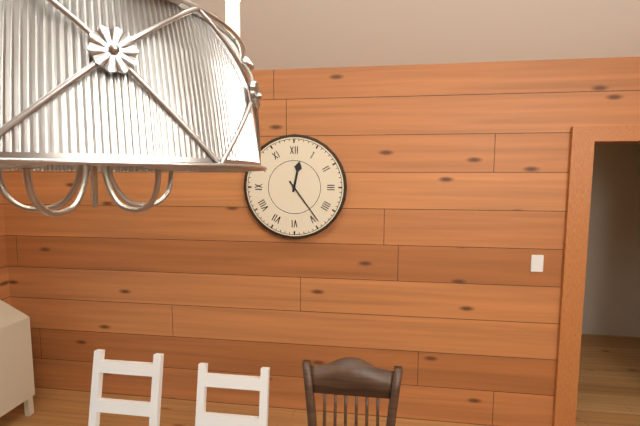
12:24
